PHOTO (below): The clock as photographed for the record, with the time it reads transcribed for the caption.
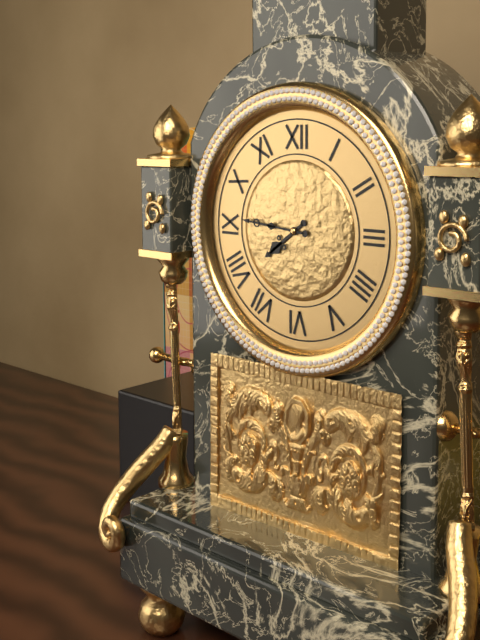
7:46
